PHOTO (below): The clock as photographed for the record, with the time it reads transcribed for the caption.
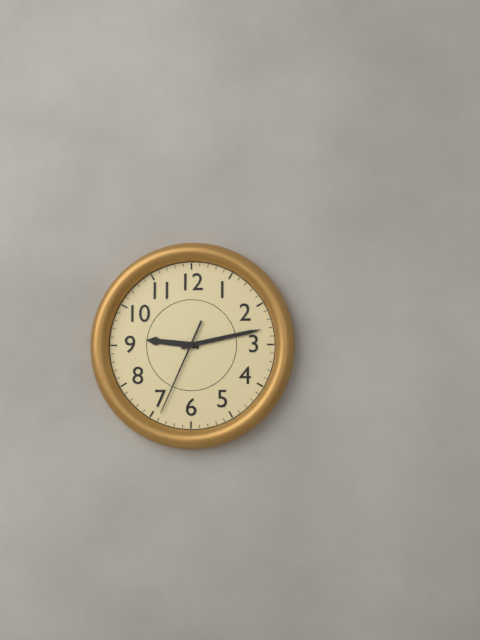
9:13:34
